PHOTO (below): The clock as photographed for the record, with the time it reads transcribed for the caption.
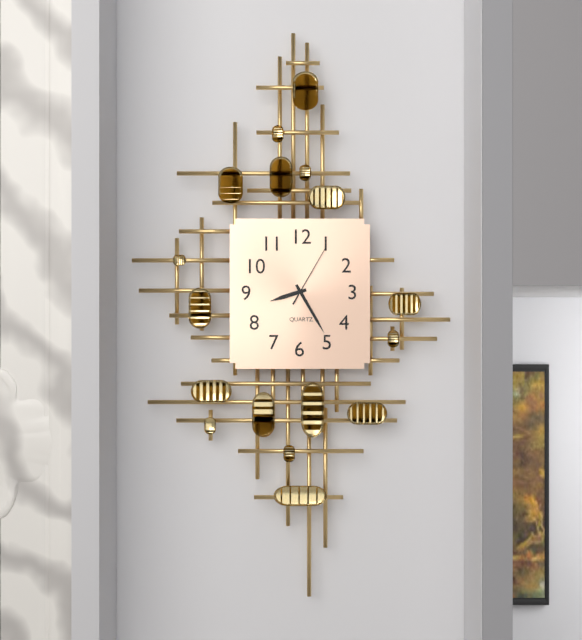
8:25:05
